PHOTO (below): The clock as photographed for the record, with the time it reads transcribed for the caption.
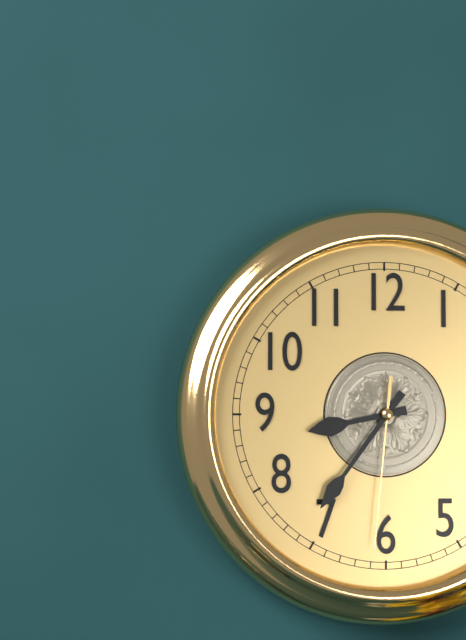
8:36:31
